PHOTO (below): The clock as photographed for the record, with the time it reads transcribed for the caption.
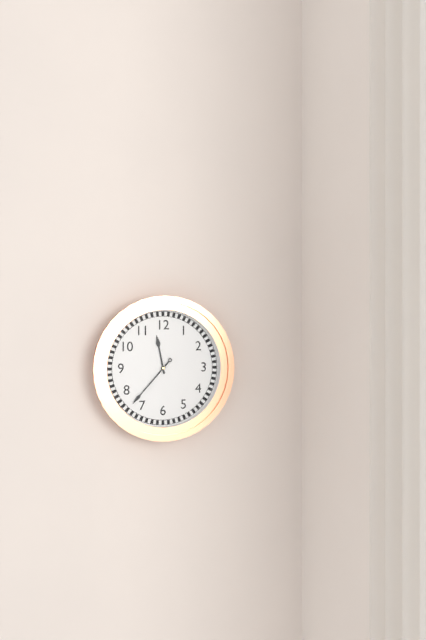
11:37
